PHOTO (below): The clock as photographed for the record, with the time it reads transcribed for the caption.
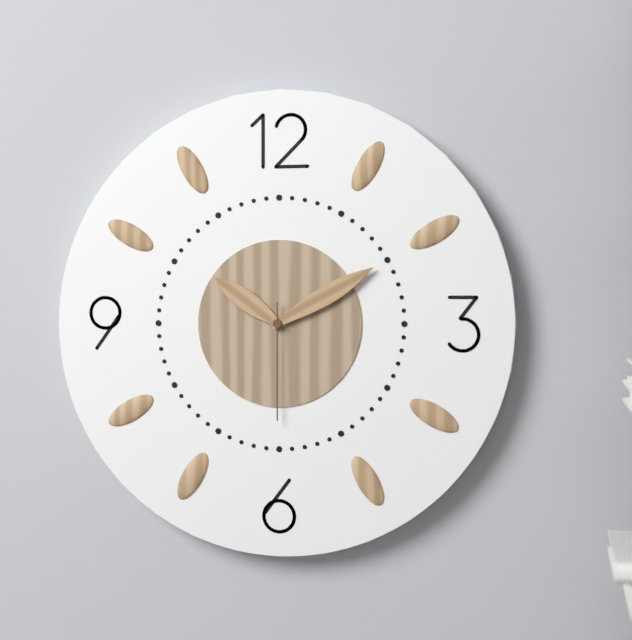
10:10:30
